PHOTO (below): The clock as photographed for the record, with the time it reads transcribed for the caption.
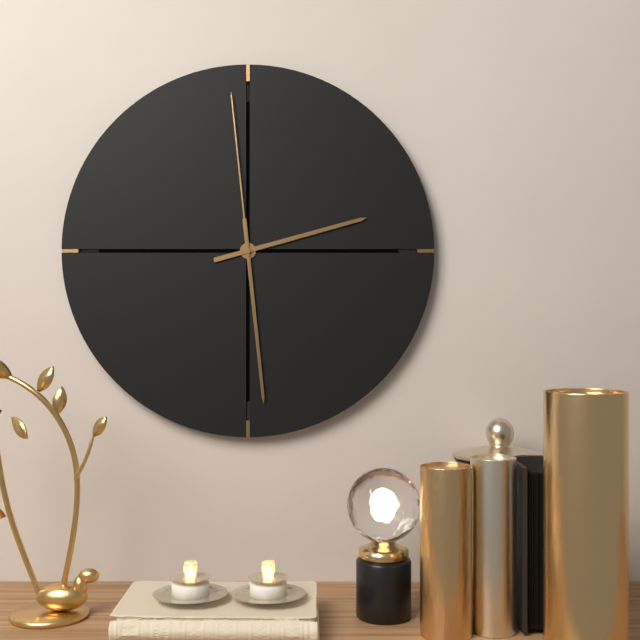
2:29:59
